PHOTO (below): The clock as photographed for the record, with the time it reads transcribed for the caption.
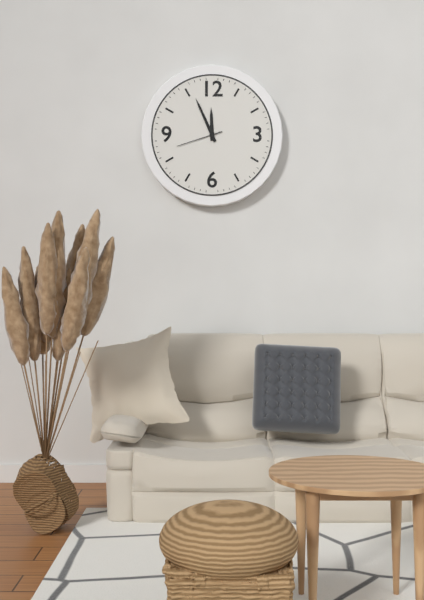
11:56
